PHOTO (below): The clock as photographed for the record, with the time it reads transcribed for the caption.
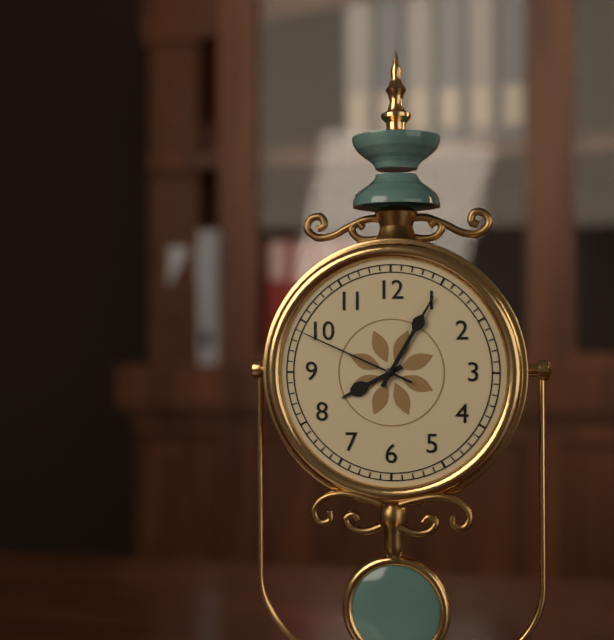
8:05:49
